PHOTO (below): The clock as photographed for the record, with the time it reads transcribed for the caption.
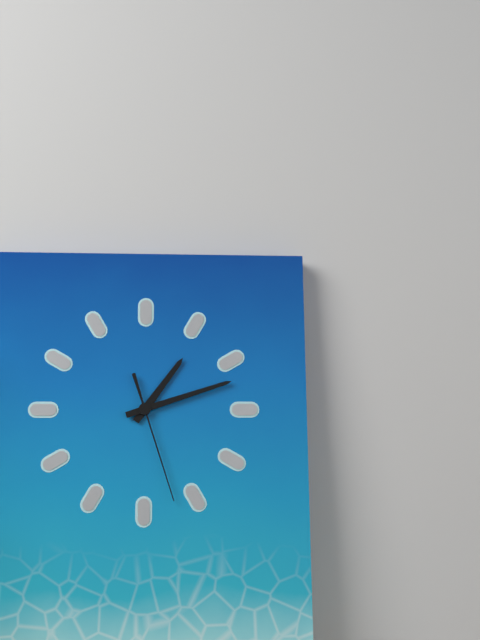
1:12:27
